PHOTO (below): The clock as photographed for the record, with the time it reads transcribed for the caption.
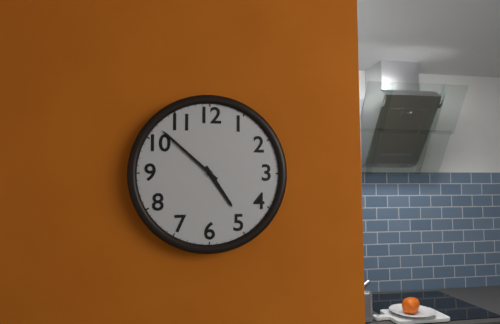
4:52
